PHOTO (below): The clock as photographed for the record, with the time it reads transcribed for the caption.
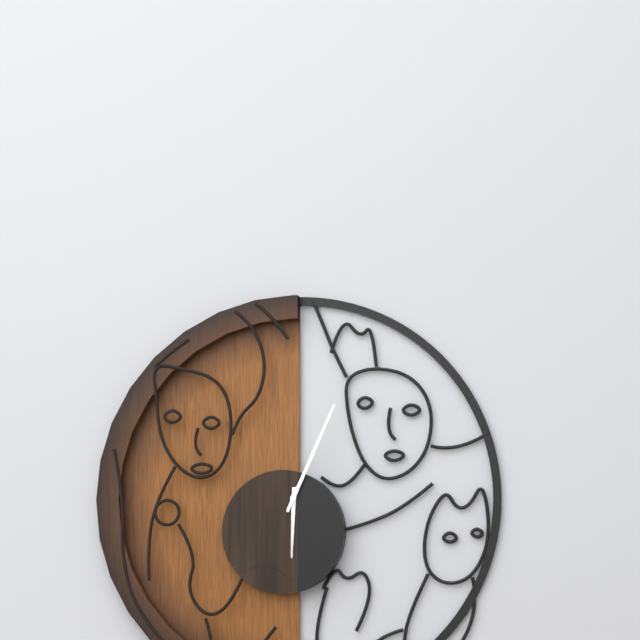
6:04
